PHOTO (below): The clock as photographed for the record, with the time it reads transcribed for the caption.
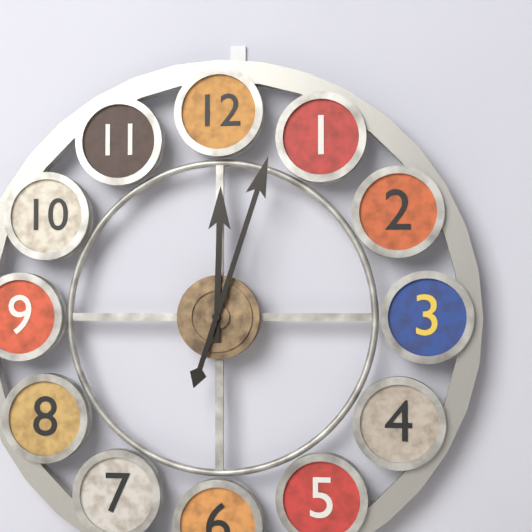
12:03
